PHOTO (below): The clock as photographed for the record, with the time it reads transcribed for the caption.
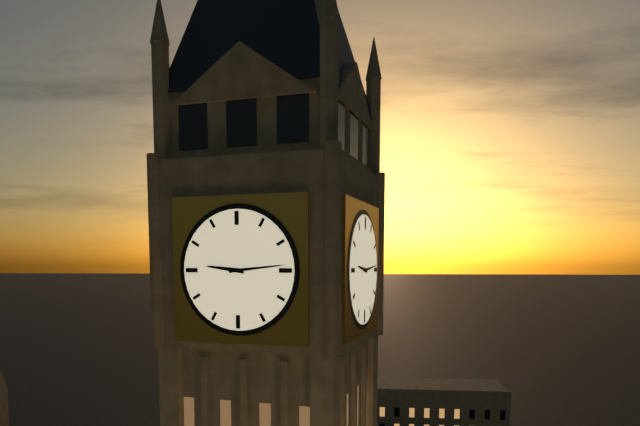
9:14
